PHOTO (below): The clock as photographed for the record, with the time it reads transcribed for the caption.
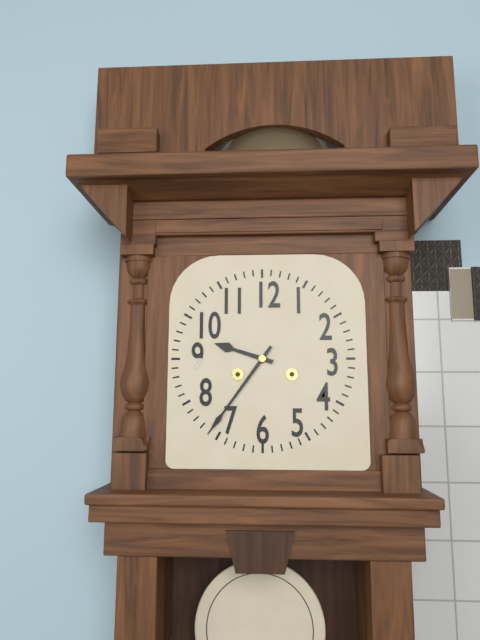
9:36
